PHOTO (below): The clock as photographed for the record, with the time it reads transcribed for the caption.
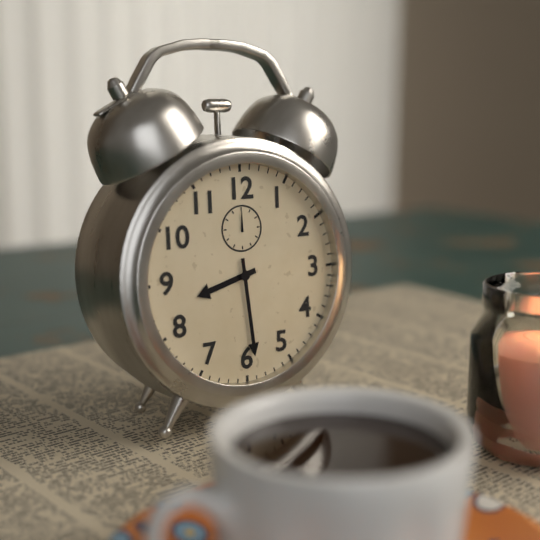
8:29
